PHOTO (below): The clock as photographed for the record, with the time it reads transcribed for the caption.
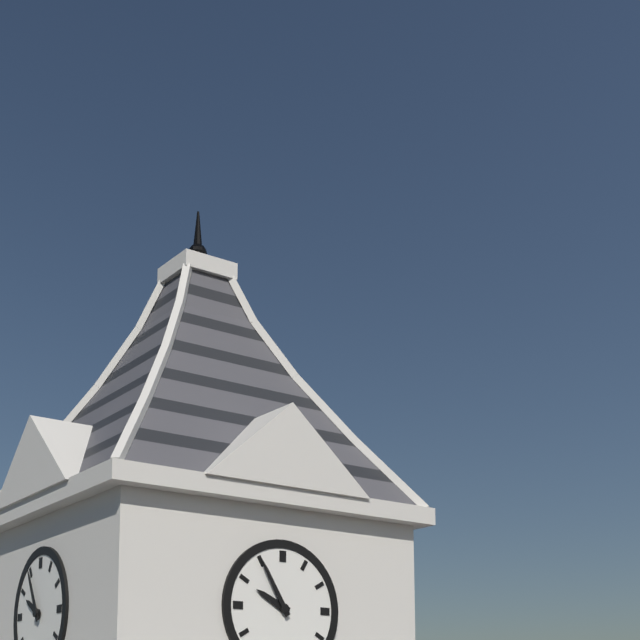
9:55
